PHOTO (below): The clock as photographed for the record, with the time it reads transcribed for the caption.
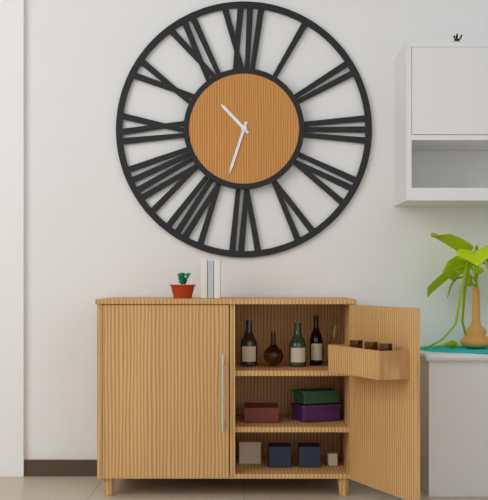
10:33
